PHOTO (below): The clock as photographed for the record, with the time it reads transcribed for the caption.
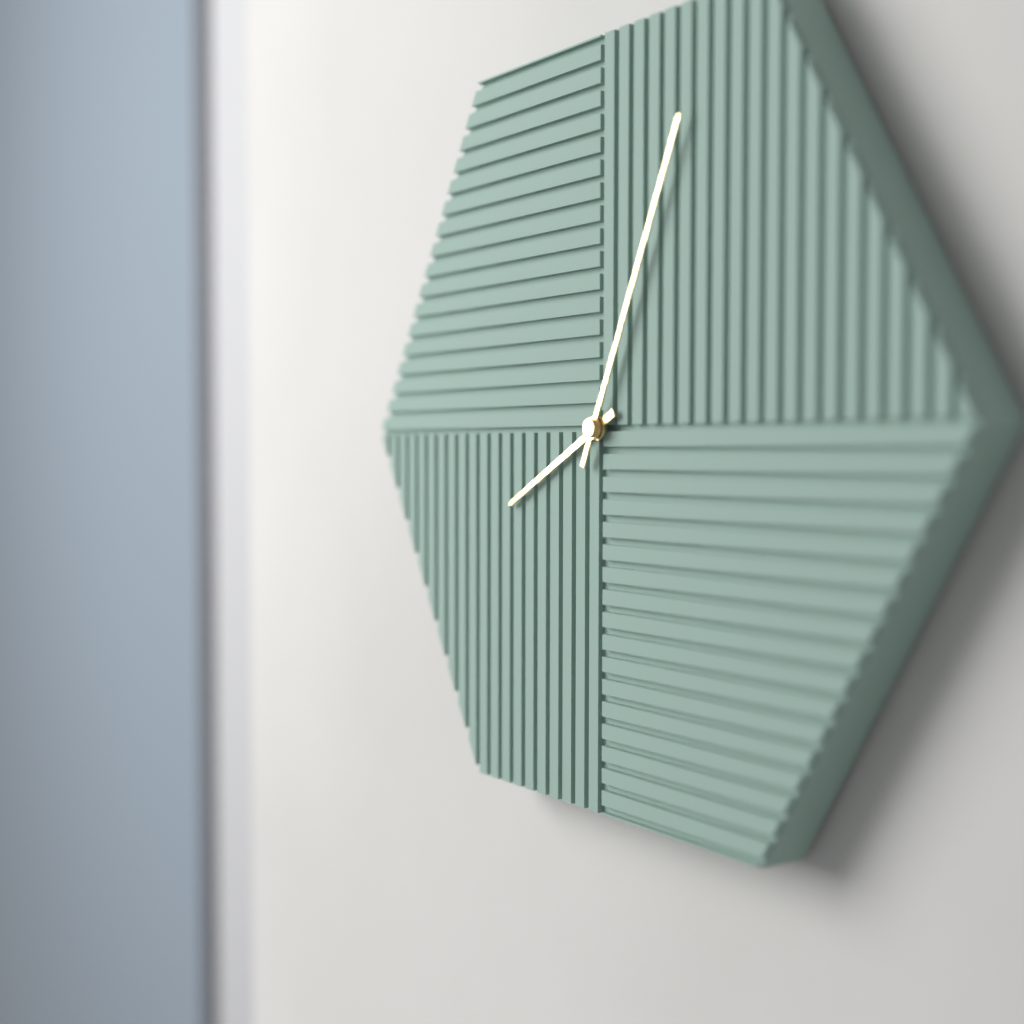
8:04
